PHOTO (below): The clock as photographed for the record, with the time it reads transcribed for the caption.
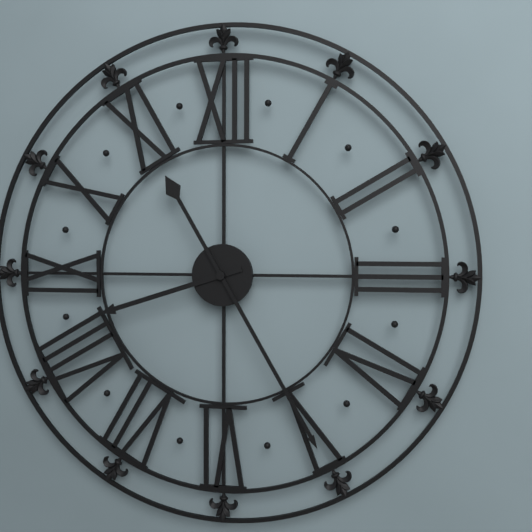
8:25
